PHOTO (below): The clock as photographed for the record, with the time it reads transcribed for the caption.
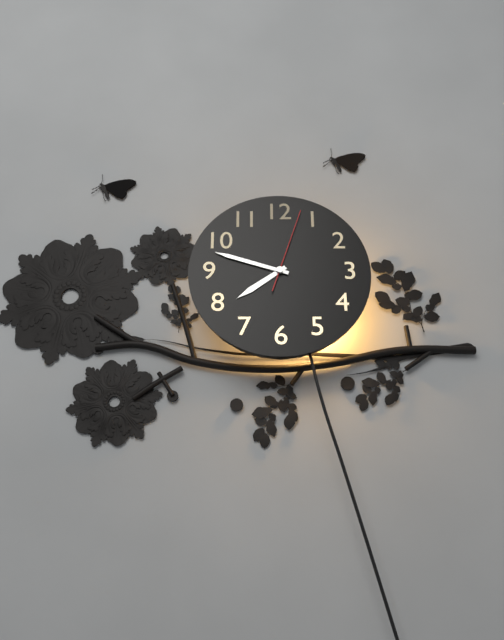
7:48:03
